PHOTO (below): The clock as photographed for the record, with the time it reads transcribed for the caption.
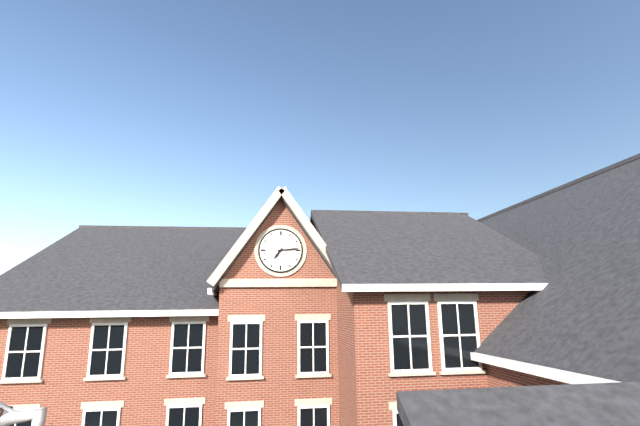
7:14
